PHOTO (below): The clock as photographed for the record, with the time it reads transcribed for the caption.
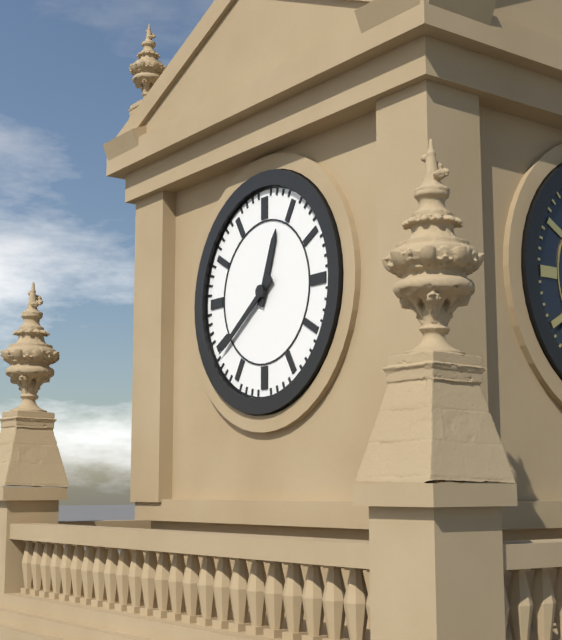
12:39
